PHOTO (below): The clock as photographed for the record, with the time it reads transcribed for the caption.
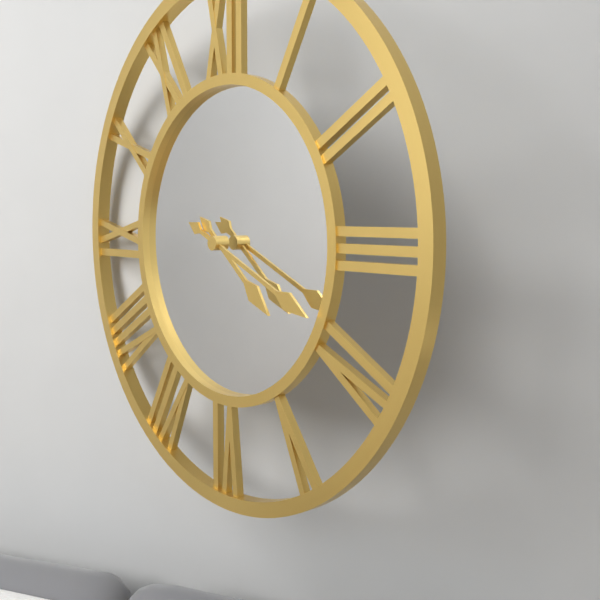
4:19
